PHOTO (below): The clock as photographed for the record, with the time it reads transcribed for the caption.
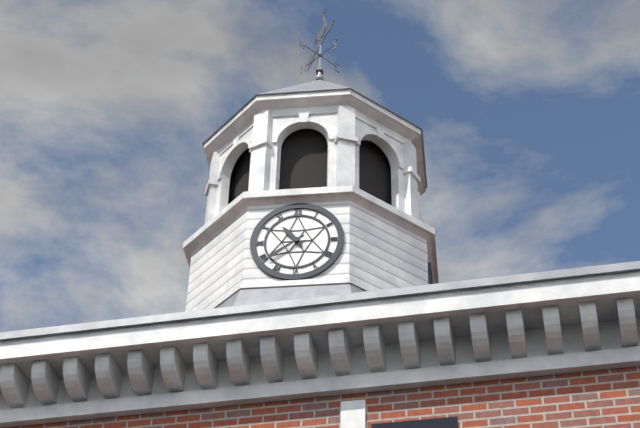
10:39
